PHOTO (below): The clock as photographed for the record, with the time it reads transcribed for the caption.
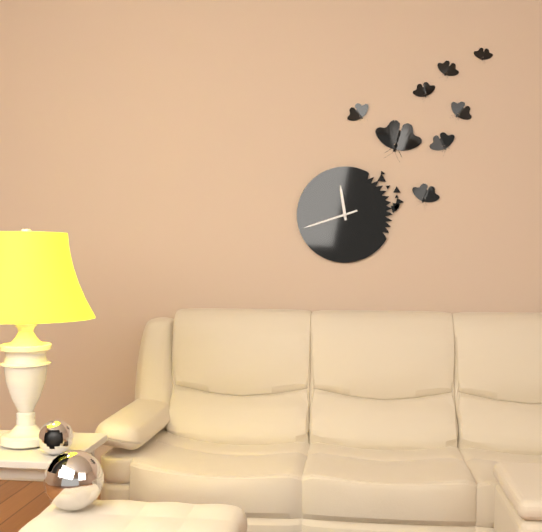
11:42
